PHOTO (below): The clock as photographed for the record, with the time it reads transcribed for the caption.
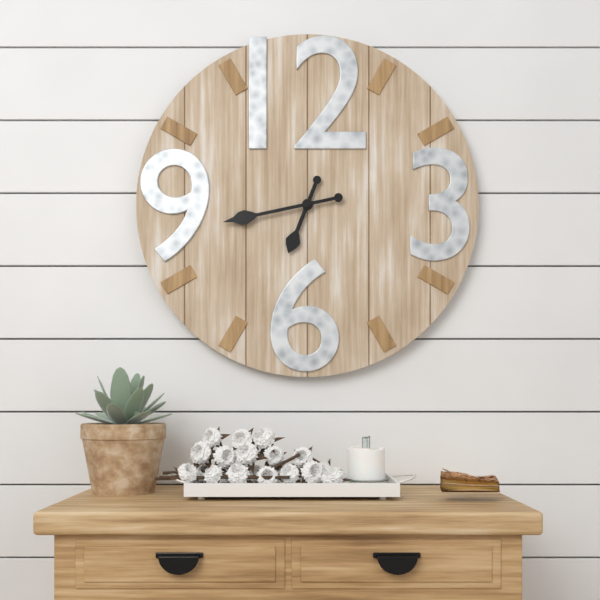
6:43
